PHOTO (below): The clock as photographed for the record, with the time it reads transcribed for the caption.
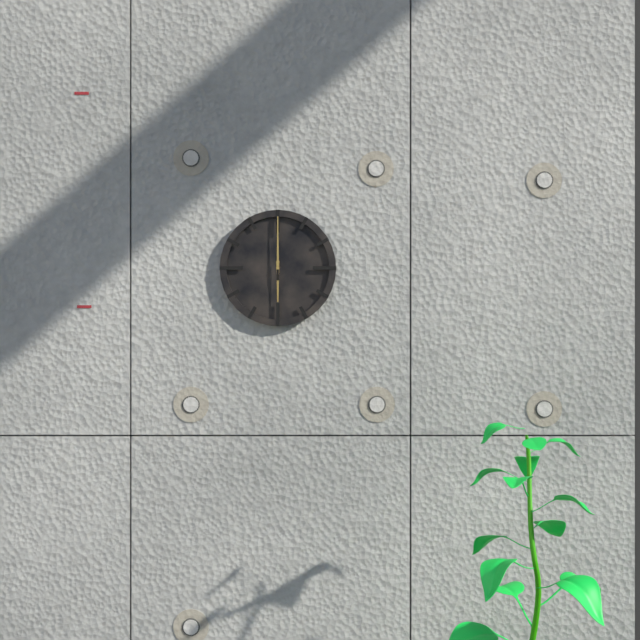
6:00
